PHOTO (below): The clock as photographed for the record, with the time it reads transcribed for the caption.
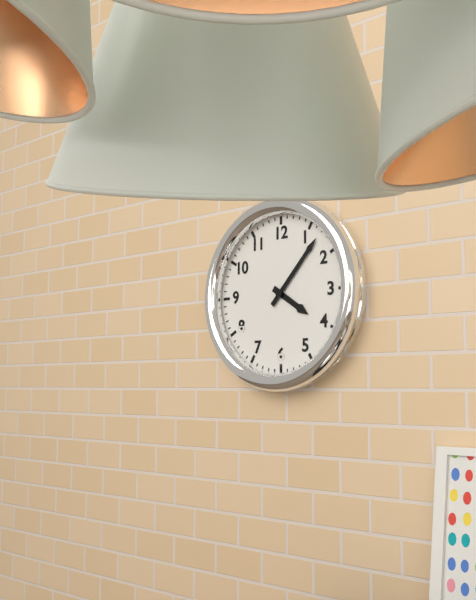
4:07
